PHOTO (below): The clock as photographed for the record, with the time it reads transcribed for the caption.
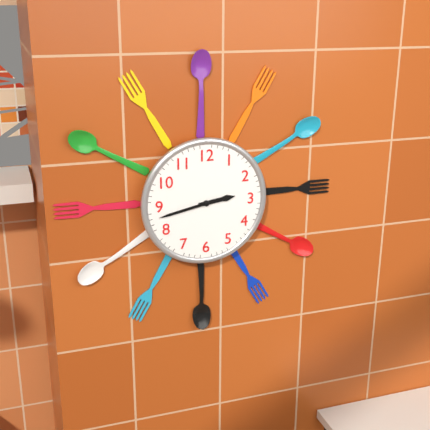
2:43
